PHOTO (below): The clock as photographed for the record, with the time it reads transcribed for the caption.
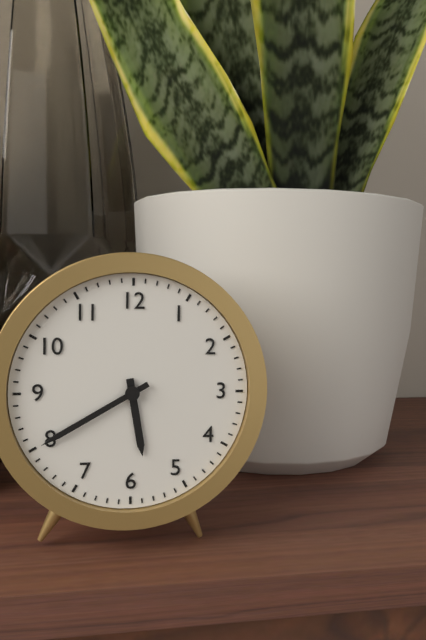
5:40
